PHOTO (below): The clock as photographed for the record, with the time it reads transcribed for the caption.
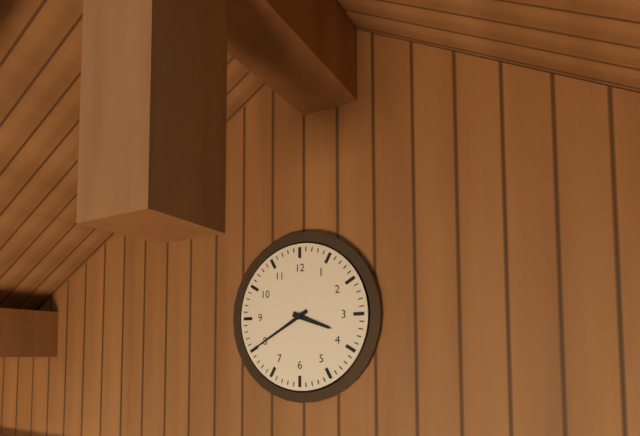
3:40
